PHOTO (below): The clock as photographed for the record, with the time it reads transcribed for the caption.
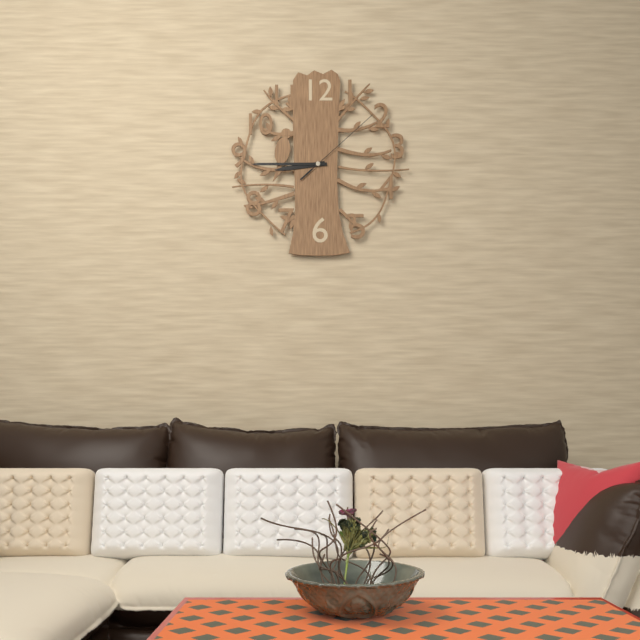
8:45:08
